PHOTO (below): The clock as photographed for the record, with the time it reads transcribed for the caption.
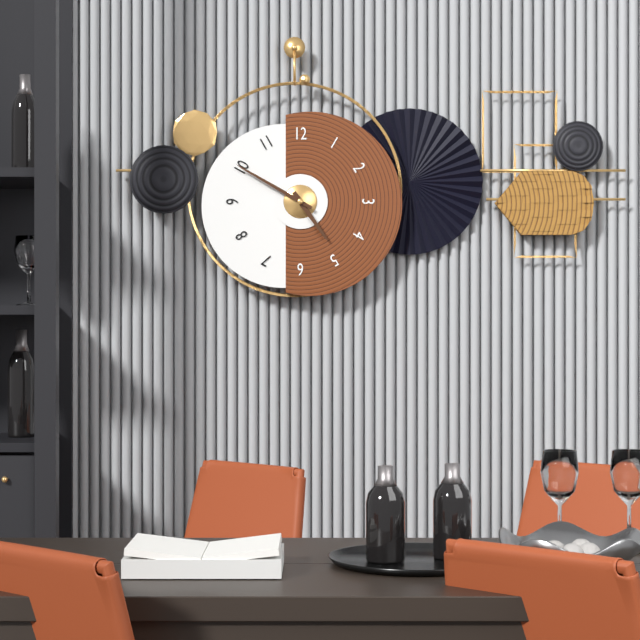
4:50
